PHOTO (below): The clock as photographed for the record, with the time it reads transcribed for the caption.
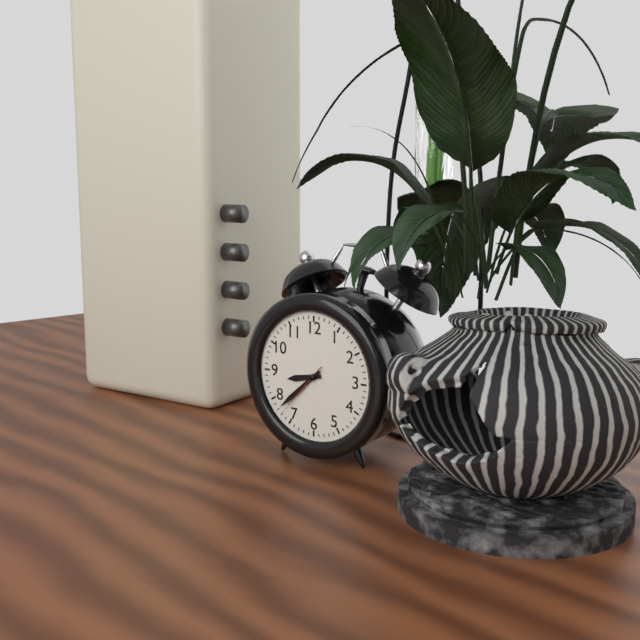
8:38:37
